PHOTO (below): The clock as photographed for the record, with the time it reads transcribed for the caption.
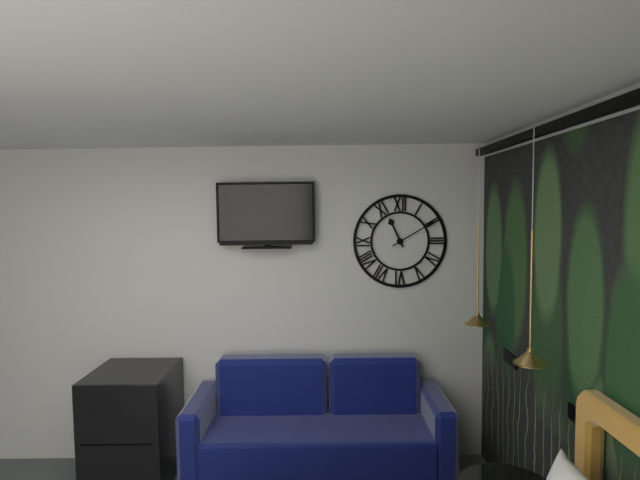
11:10
